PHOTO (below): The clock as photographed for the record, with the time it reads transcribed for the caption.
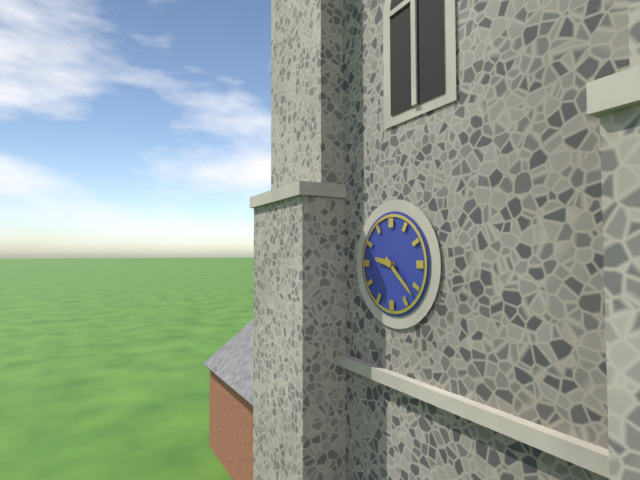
9:22
